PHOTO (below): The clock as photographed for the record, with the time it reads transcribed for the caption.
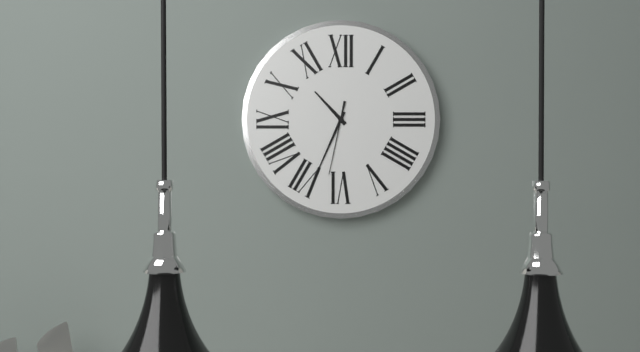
10:34:32
